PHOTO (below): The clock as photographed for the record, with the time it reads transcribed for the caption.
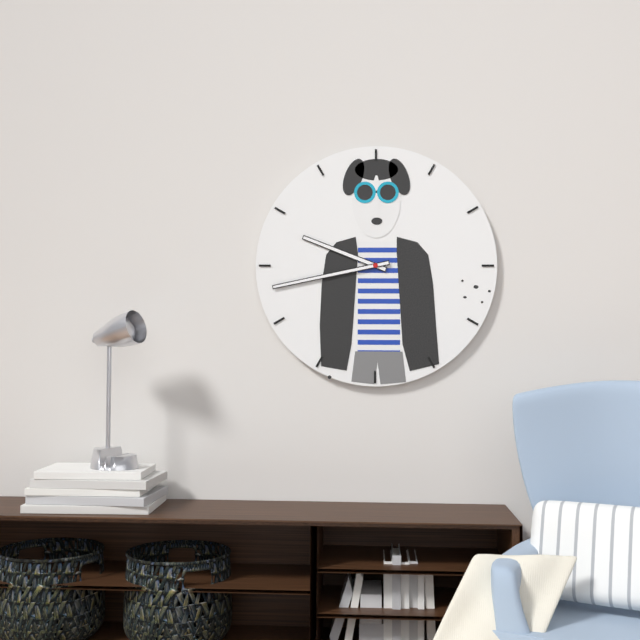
9:43
